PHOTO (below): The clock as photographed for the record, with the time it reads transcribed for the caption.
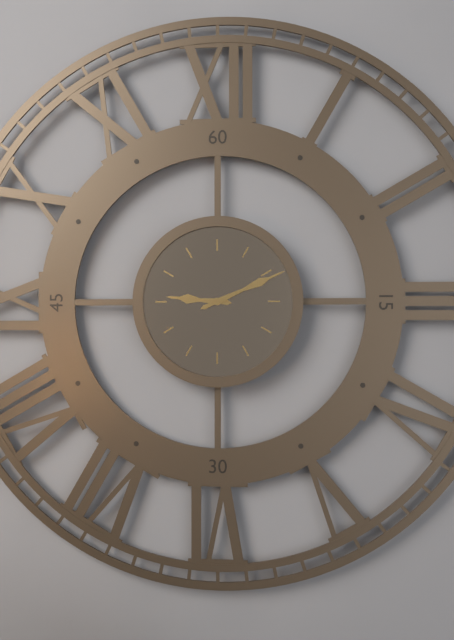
9:11
